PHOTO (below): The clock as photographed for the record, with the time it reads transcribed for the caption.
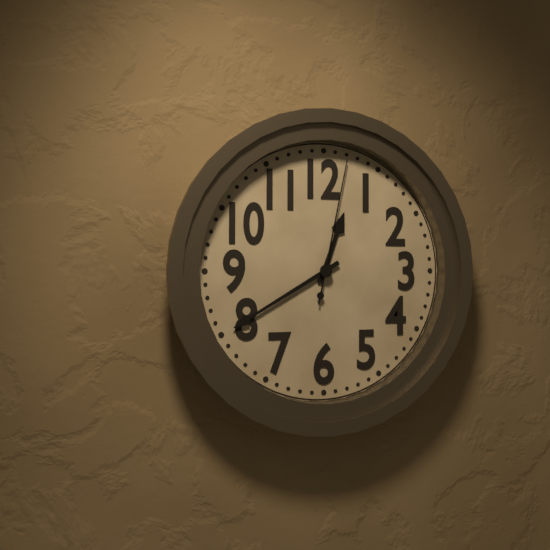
12:40:02
